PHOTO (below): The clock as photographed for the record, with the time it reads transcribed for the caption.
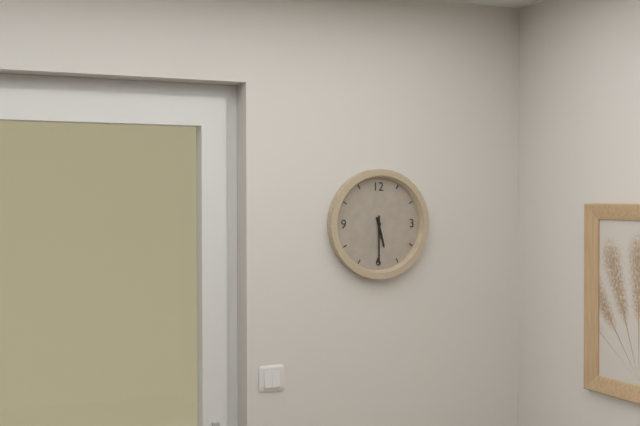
5:30
